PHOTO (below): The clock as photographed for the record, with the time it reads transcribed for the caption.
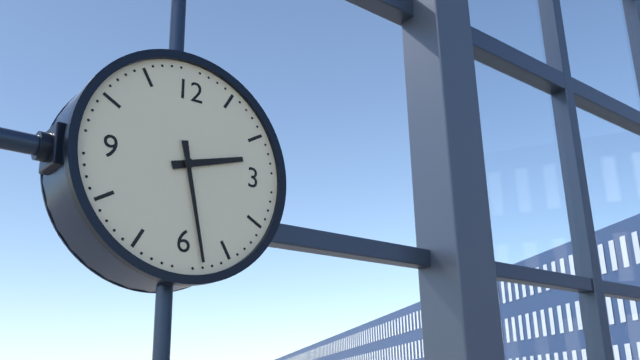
2:28
